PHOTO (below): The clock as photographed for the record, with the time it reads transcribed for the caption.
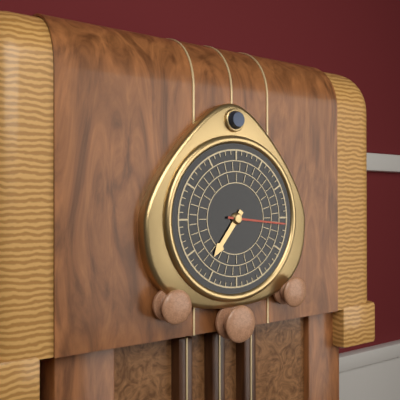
7:16
